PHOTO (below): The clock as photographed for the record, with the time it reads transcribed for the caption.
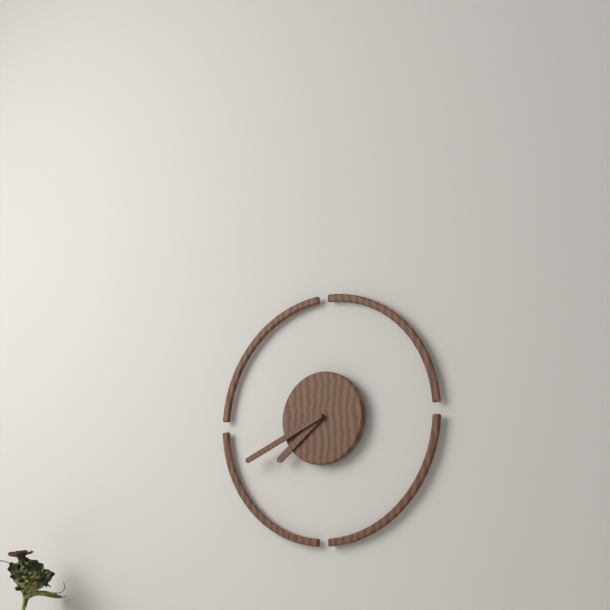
7:41
